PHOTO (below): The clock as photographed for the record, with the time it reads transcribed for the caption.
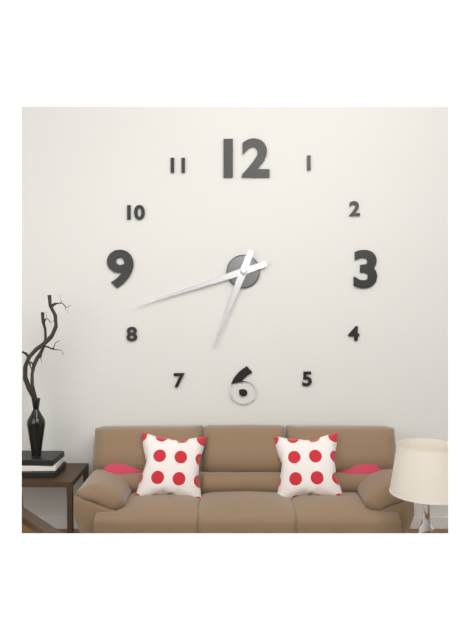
6:42
